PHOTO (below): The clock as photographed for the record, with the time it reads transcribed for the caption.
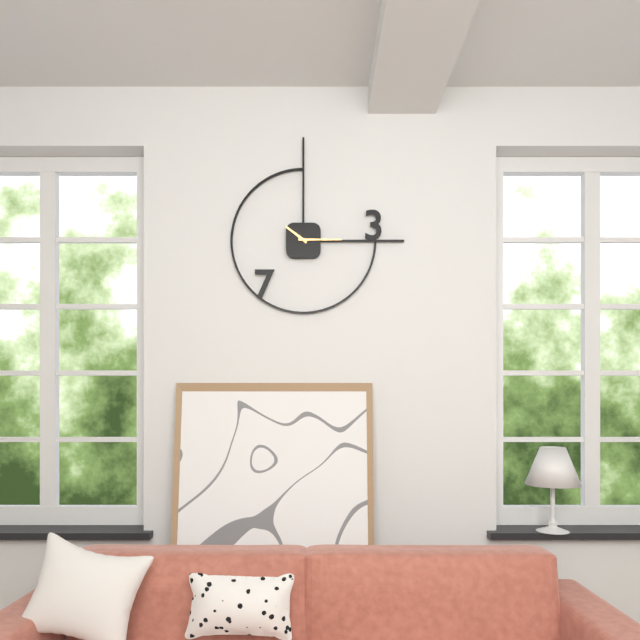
10:15
